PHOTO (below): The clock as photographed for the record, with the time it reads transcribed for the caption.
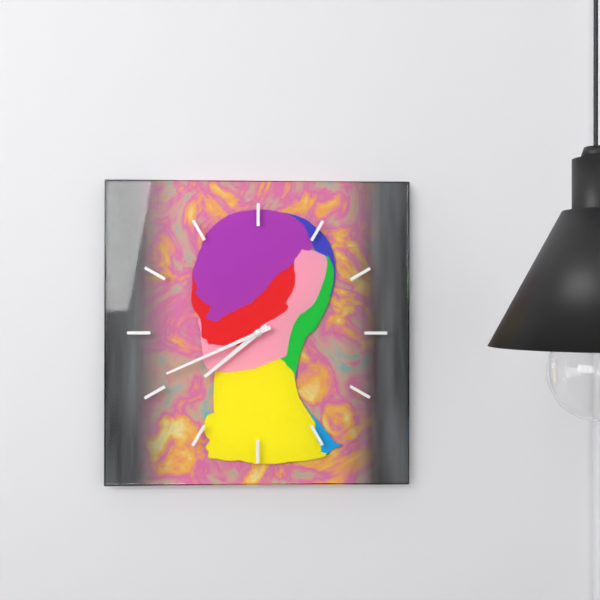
7:41
